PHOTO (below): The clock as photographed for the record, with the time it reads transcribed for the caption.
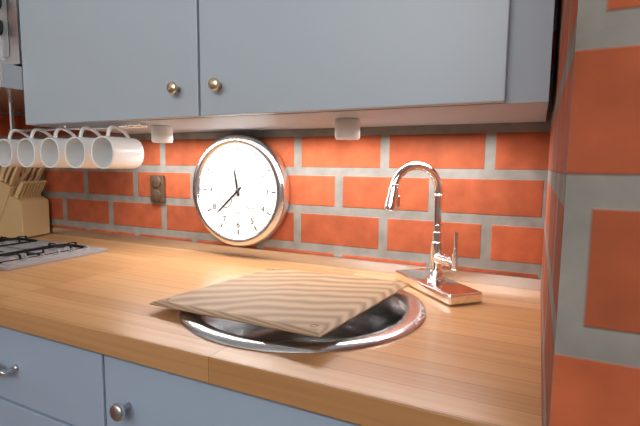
11:38
